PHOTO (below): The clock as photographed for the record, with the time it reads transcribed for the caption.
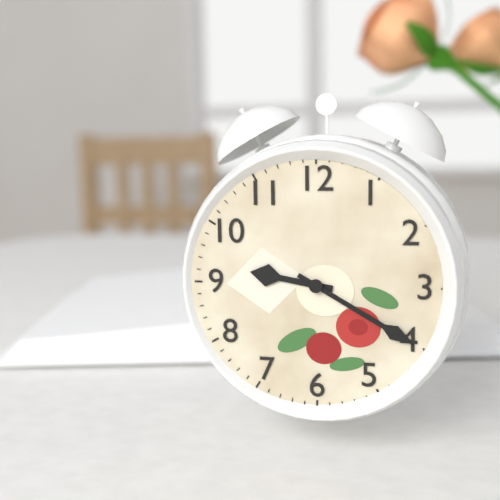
9:20
